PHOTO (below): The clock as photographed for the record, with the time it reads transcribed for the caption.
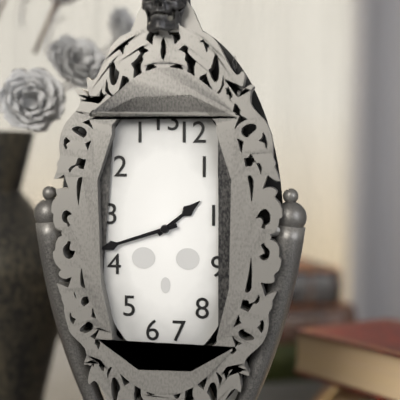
1:42
